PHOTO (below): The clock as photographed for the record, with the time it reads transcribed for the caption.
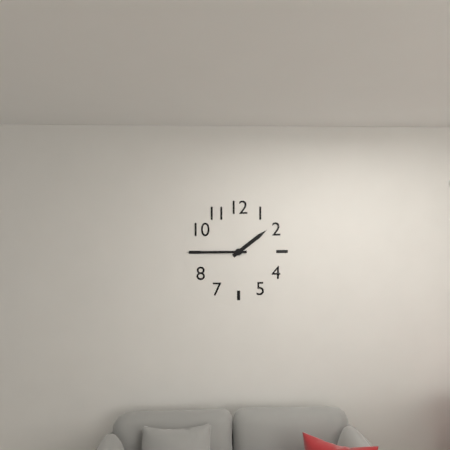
1:45
